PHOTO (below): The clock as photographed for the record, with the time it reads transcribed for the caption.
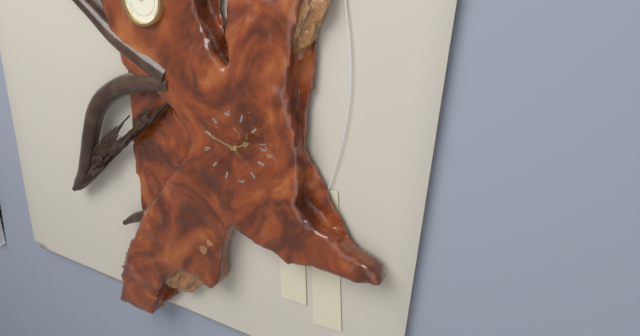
11:35
